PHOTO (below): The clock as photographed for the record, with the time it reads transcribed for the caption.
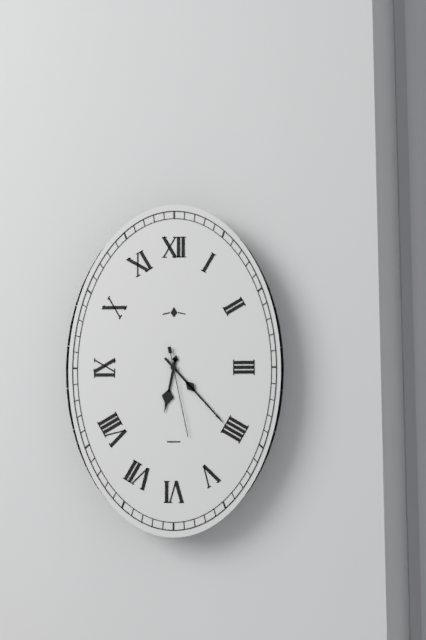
6:23:28
